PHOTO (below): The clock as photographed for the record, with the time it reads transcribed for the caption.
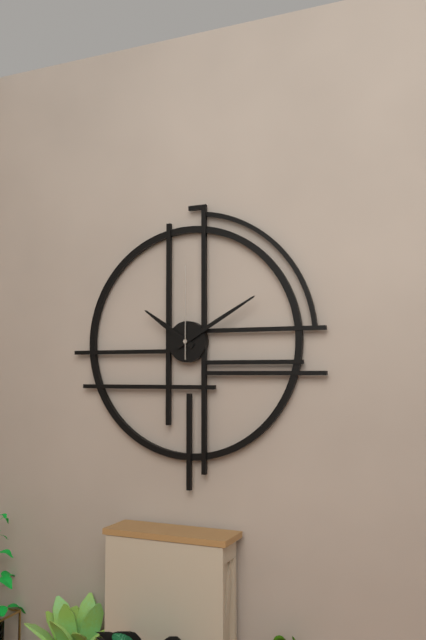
10:10:00
